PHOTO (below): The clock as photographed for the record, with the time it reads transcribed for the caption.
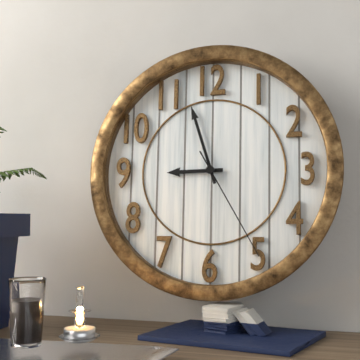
8:57:25
